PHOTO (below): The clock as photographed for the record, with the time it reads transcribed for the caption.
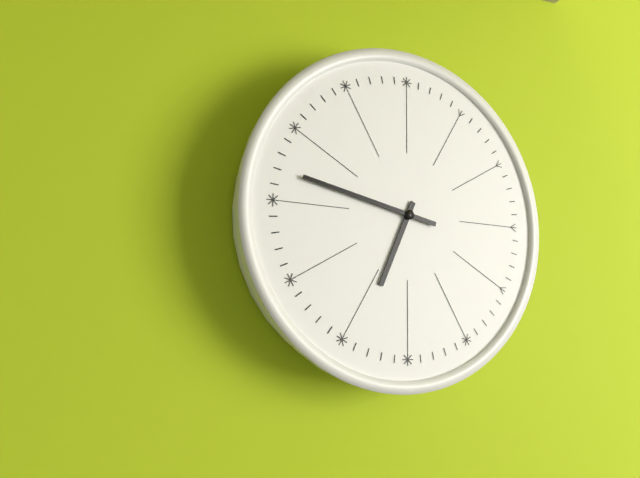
6:47
